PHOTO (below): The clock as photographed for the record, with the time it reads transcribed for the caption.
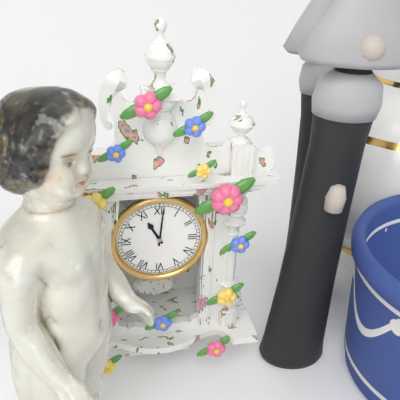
11:01
